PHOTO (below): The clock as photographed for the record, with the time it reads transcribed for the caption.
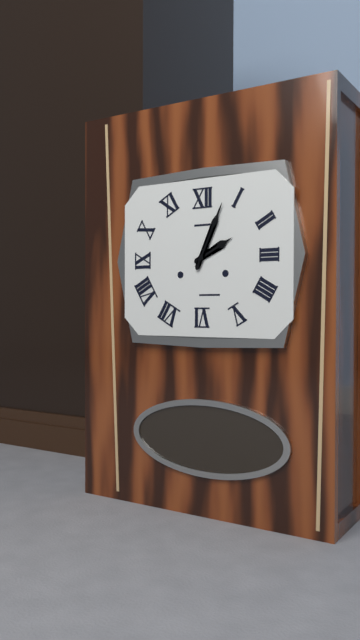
2:04
